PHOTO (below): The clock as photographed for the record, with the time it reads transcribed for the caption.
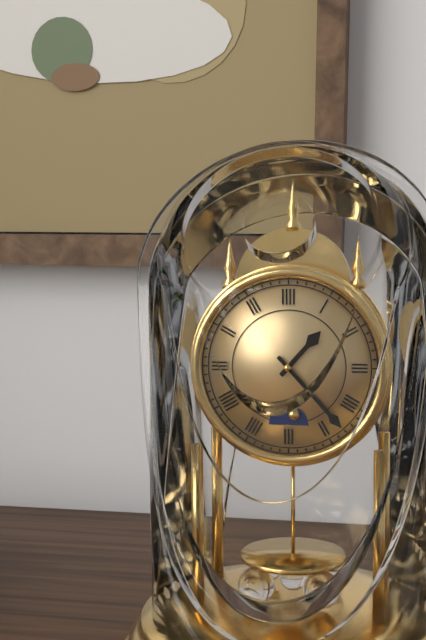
1:23
